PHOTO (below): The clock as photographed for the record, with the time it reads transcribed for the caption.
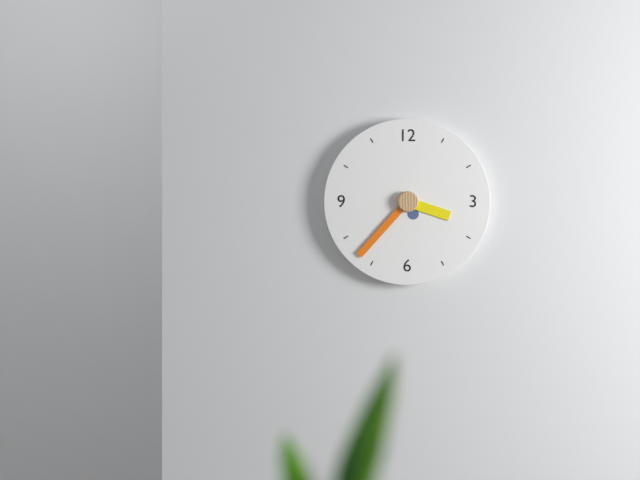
3:37
